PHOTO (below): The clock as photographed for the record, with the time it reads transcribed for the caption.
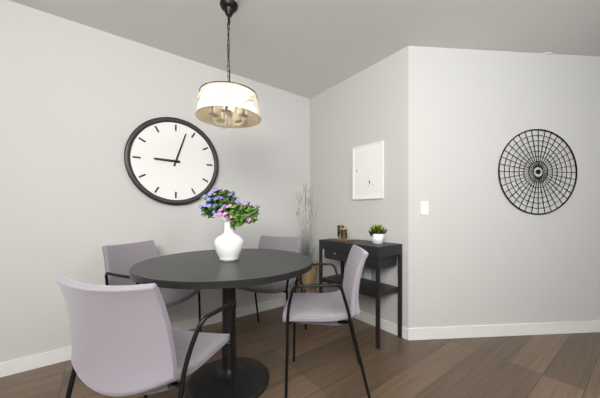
9:03
